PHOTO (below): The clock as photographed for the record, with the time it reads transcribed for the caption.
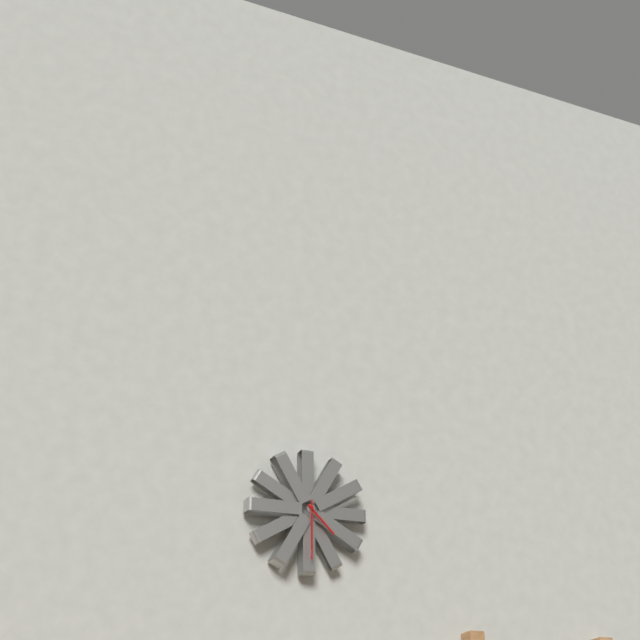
4:30
